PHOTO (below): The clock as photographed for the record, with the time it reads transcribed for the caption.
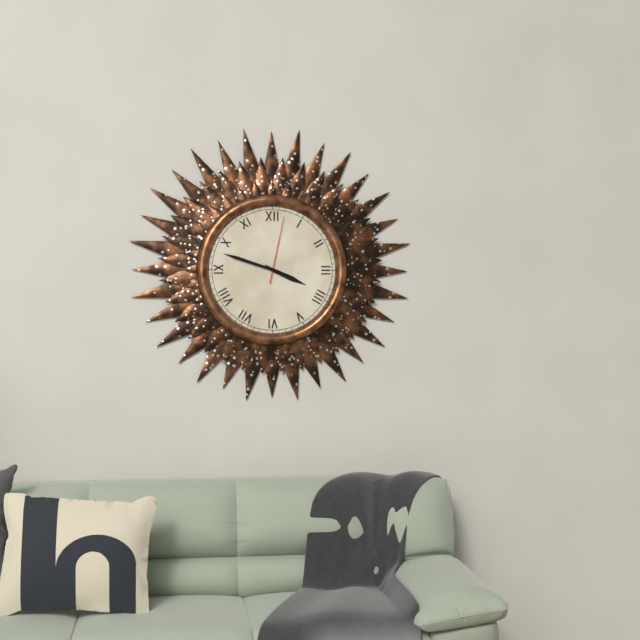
3:48:02
